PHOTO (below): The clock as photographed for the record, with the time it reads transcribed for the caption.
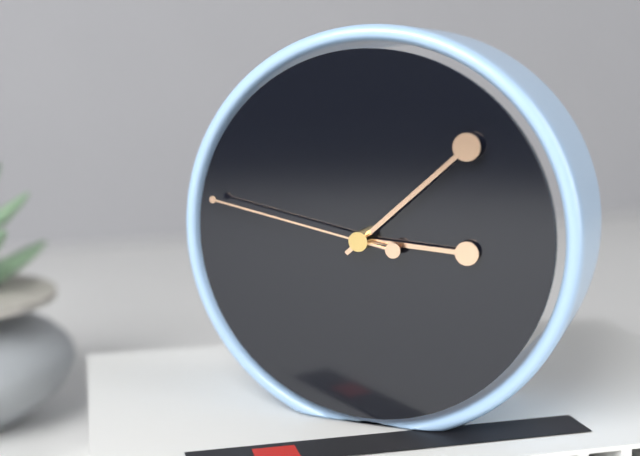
3:08:47
